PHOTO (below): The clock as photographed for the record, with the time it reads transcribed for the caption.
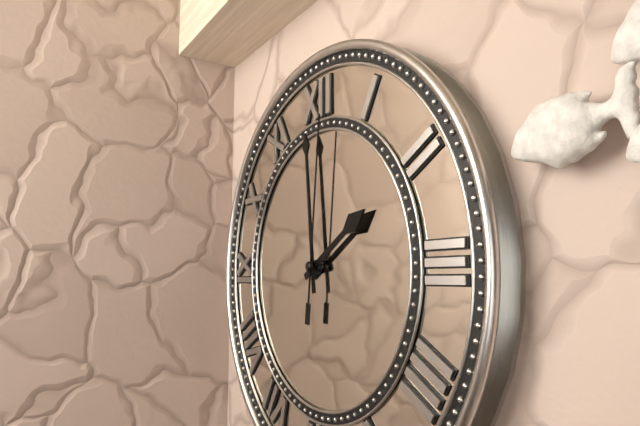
1:59:01
